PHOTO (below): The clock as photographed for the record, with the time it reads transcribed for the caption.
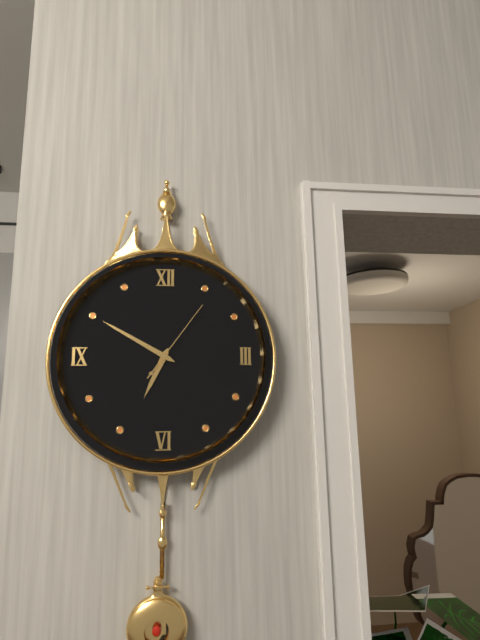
6:50:06
